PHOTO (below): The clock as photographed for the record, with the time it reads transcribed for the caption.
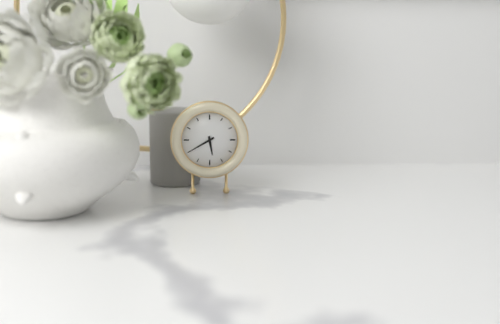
5:40
